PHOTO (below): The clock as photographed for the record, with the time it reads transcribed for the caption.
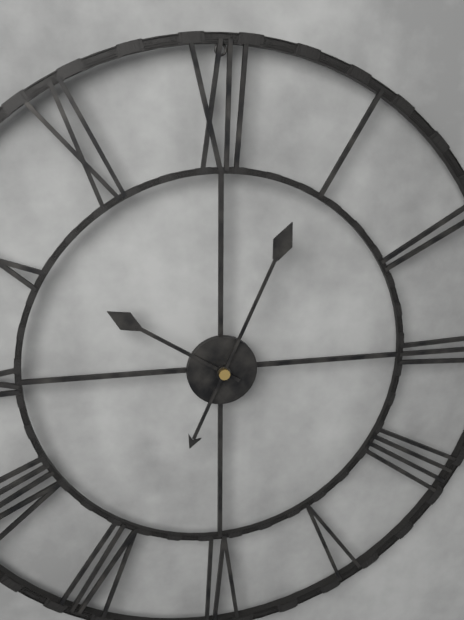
10:04
